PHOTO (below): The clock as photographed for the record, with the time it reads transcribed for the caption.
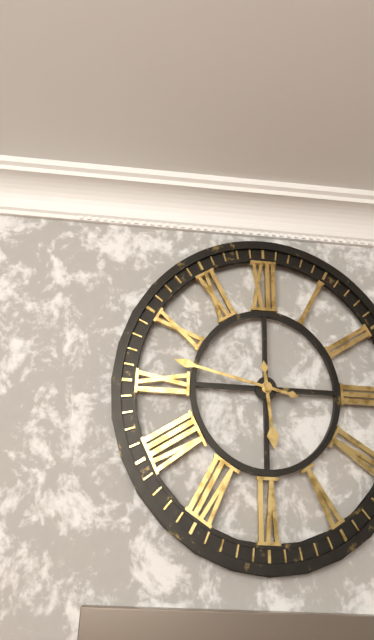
5:47
